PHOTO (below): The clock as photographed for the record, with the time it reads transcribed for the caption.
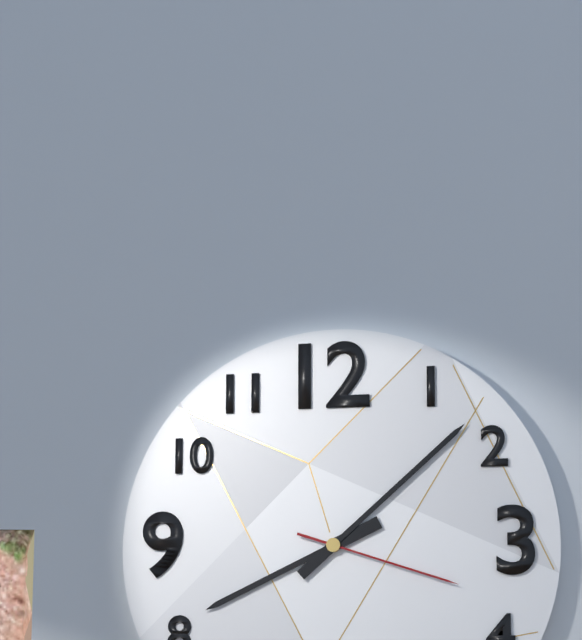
8:08:18
